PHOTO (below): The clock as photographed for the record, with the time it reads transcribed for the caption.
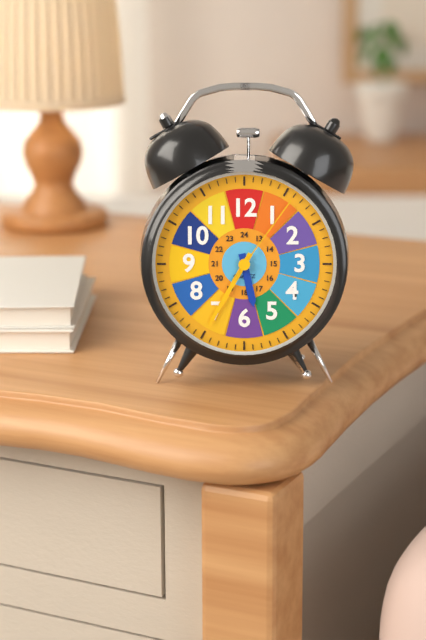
5:35:06
